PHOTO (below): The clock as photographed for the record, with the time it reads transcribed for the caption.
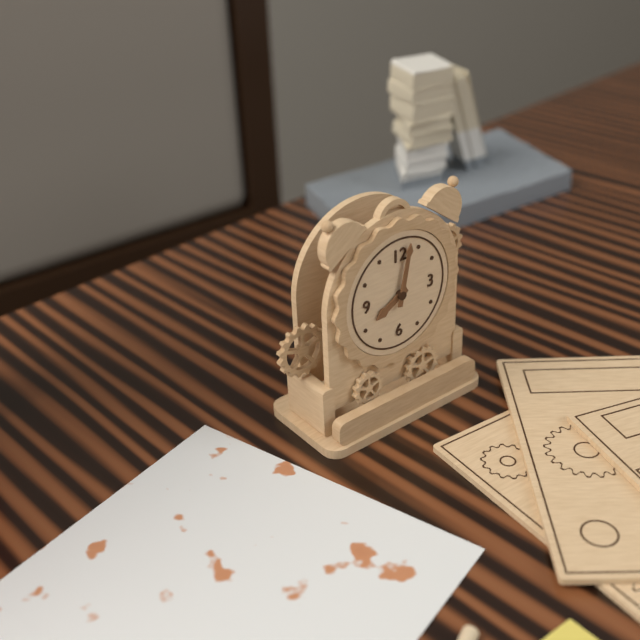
8:02
